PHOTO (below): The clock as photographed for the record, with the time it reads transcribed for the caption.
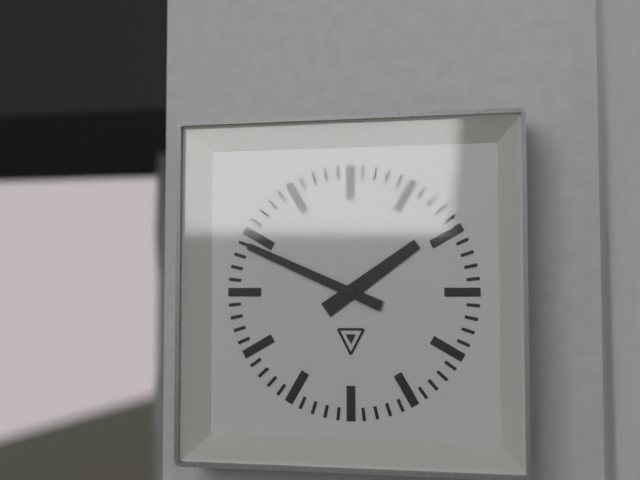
1:49
